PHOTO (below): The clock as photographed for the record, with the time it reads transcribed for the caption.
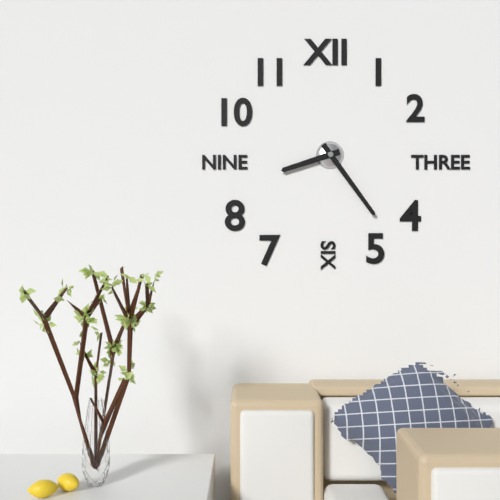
8:24
